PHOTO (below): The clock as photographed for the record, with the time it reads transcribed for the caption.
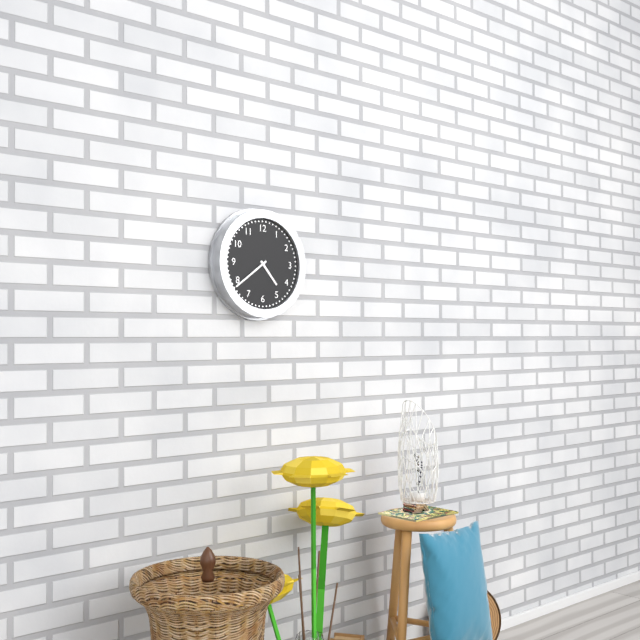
4:39
